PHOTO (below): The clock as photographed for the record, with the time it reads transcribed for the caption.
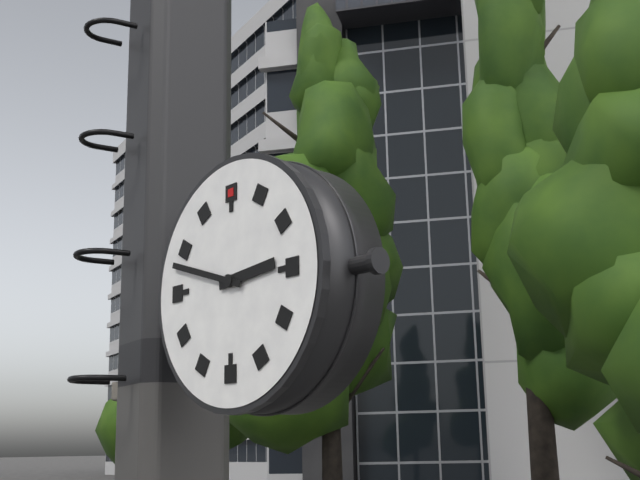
2:48
